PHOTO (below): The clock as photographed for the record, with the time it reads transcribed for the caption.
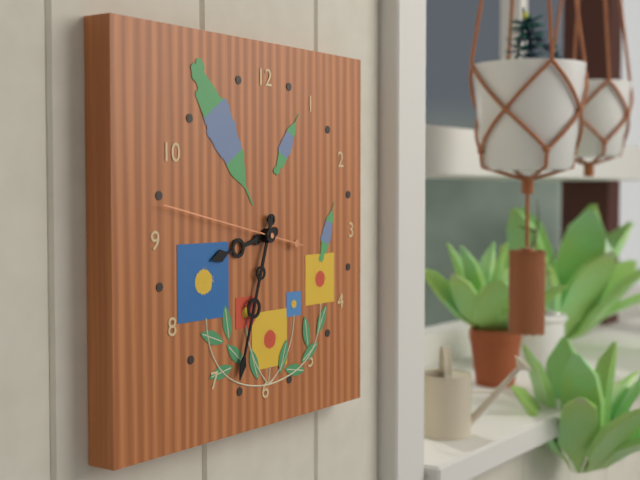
8:33:47
